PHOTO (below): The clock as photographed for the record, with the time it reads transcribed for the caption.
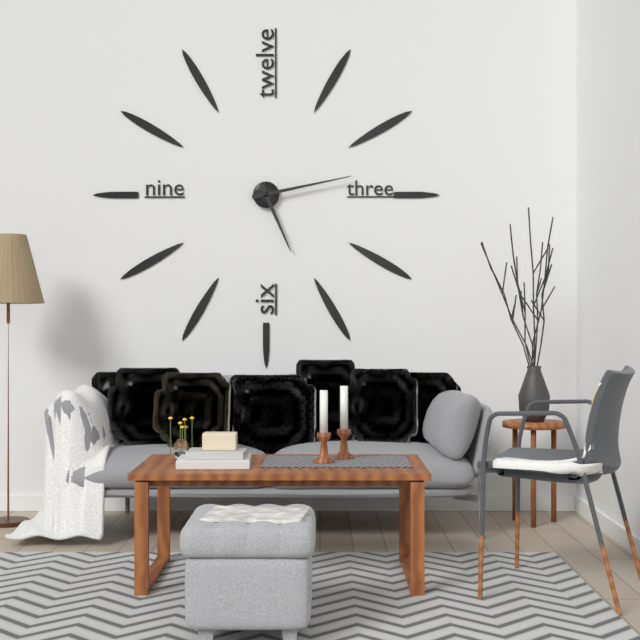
5:13
